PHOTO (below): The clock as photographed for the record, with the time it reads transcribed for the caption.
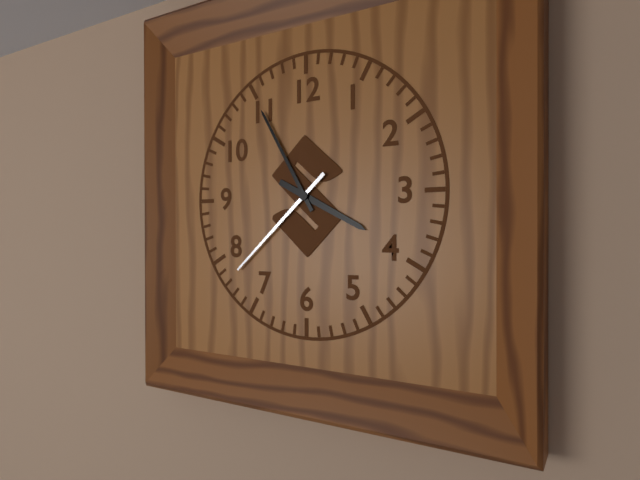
3:55:38
